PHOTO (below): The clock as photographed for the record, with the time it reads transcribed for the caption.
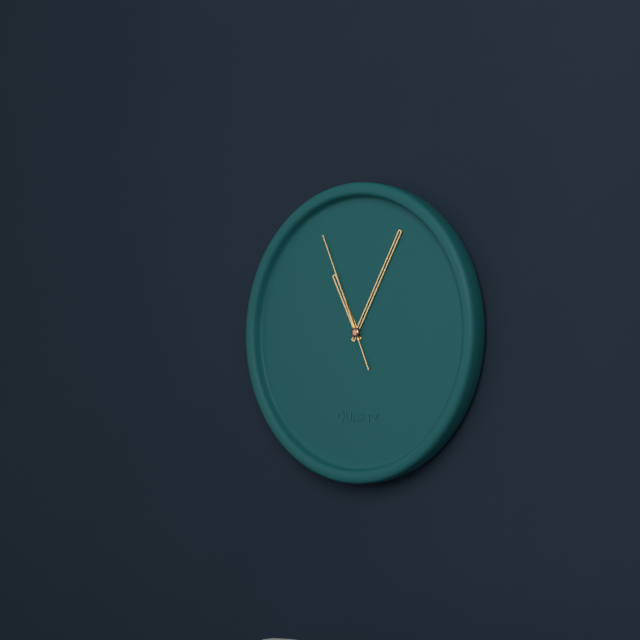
11:05:56
